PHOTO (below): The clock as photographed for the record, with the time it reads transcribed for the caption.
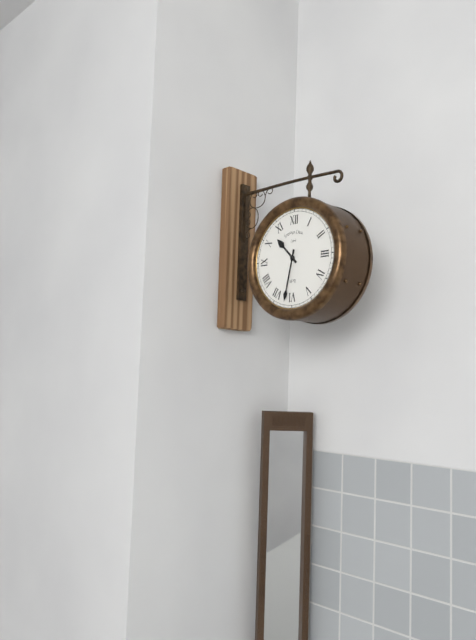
10:32
